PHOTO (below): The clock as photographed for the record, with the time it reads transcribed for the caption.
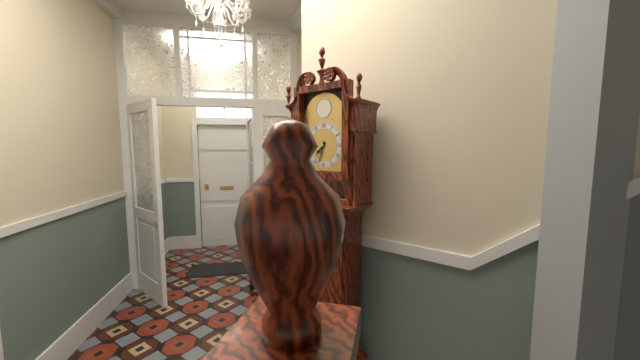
7:33
